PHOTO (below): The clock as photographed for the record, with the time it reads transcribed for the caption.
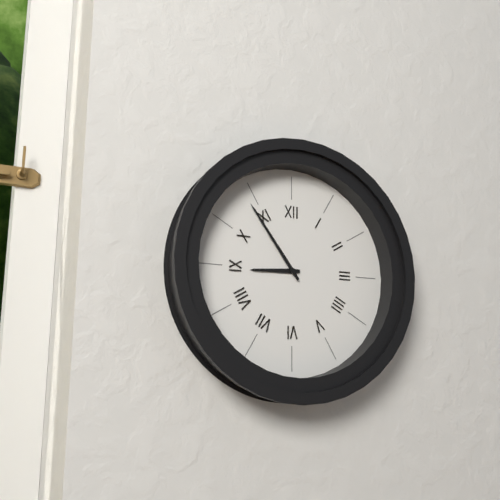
8:54
